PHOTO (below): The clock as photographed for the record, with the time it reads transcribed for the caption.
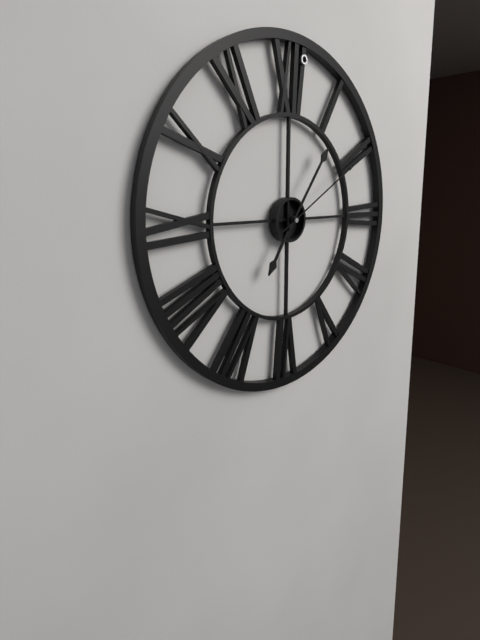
7:06:10
